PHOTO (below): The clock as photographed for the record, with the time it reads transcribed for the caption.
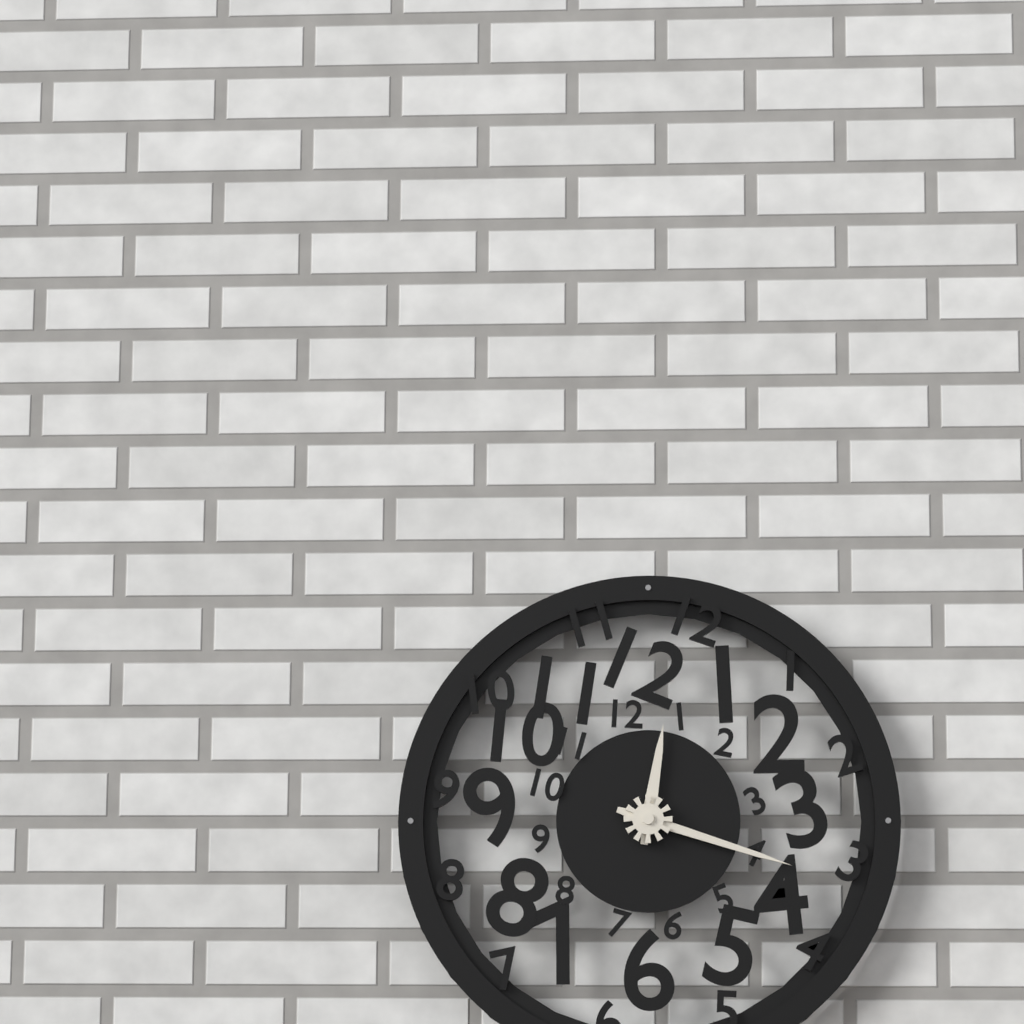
12:18
